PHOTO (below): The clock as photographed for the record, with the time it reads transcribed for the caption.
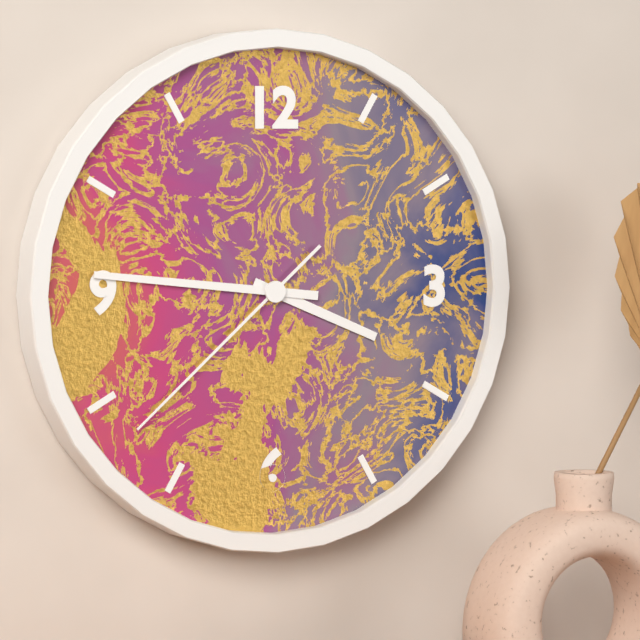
3:46:38
